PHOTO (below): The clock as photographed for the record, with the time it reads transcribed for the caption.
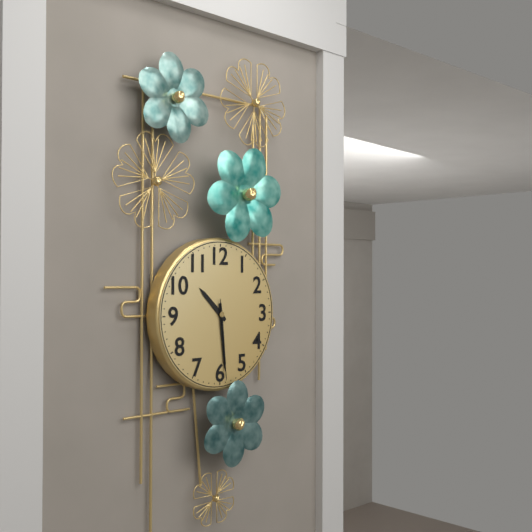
10:29:29
